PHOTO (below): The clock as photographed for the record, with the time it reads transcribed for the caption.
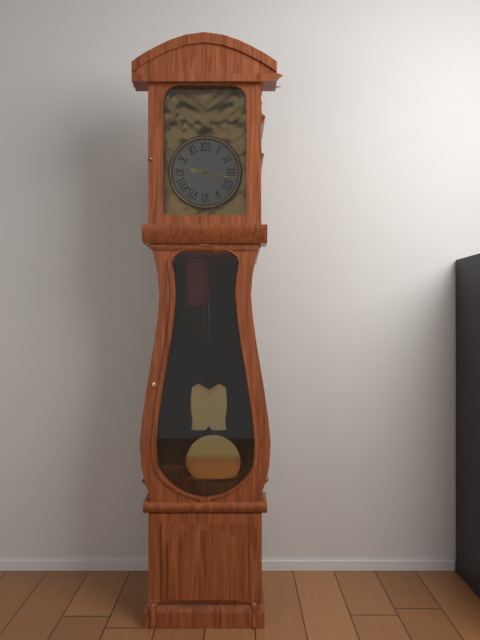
9:17
